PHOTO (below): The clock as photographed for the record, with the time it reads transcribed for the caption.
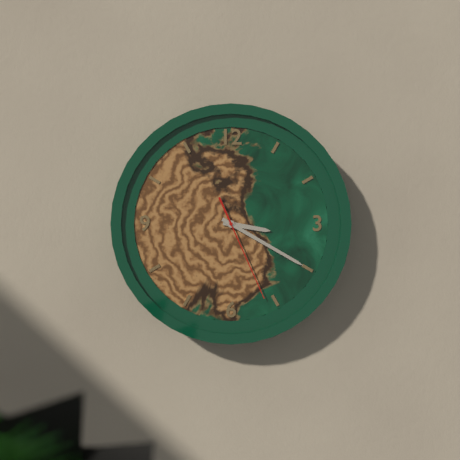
3:20:26
